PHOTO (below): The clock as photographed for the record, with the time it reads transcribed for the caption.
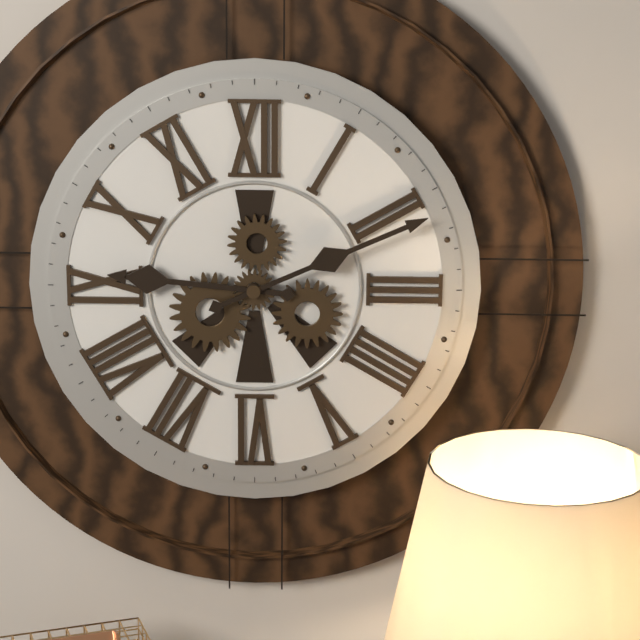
9:11
